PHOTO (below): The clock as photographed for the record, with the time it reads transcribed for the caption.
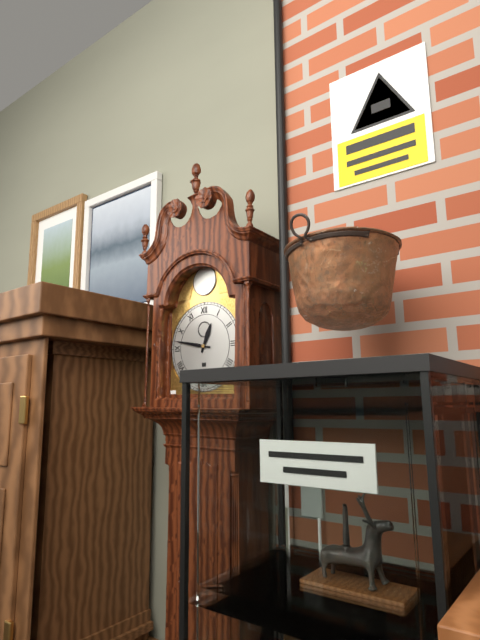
12:47
